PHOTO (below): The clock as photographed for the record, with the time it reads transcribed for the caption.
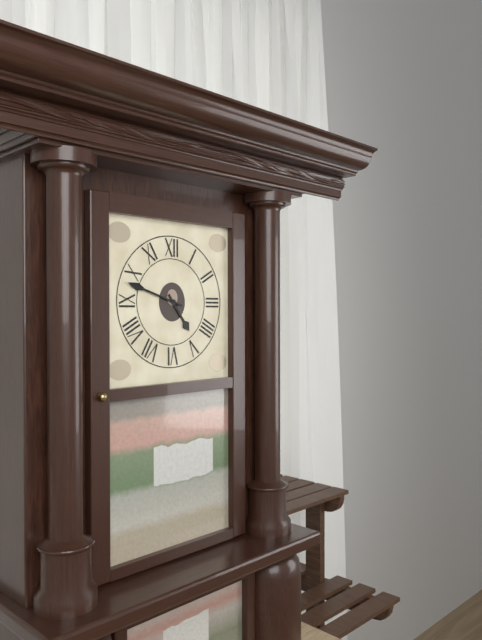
4:48
